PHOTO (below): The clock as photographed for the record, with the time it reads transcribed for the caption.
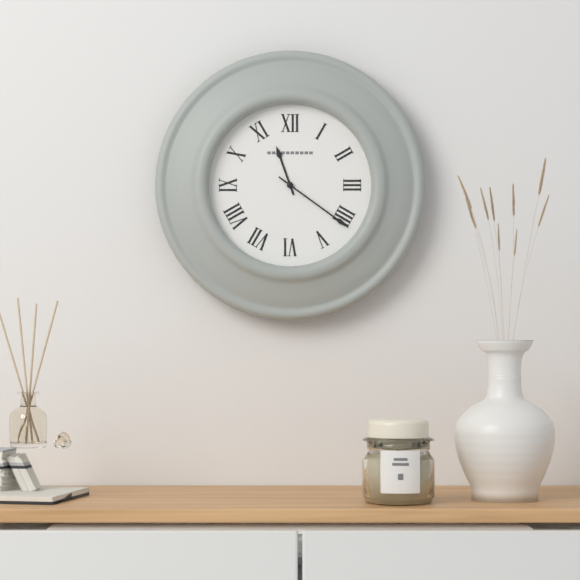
11:21
